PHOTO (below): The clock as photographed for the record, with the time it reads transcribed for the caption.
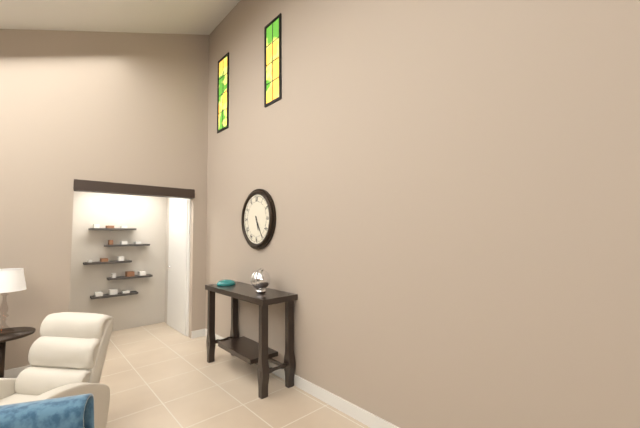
5:25
